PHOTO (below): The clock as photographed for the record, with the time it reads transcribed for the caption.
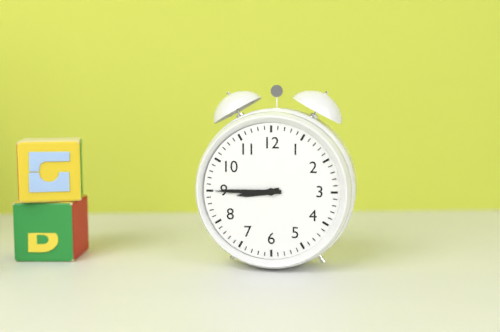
8:45
